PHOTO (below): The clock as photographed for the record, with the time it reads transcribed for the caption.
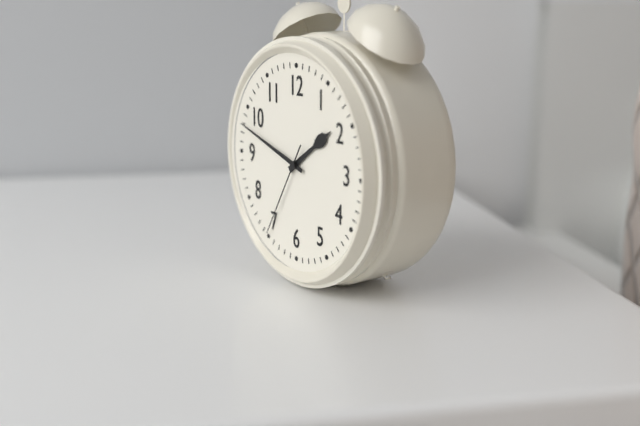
1:48:35
